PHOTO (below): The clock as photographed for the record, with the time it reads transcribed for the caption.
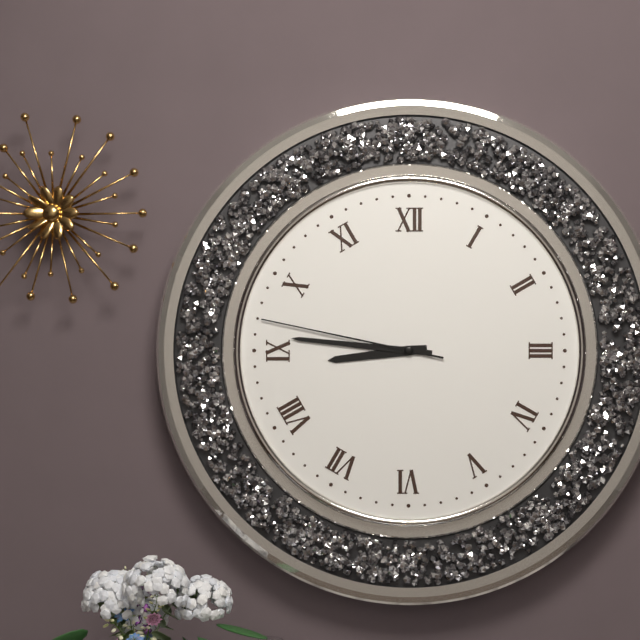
8:46:47
